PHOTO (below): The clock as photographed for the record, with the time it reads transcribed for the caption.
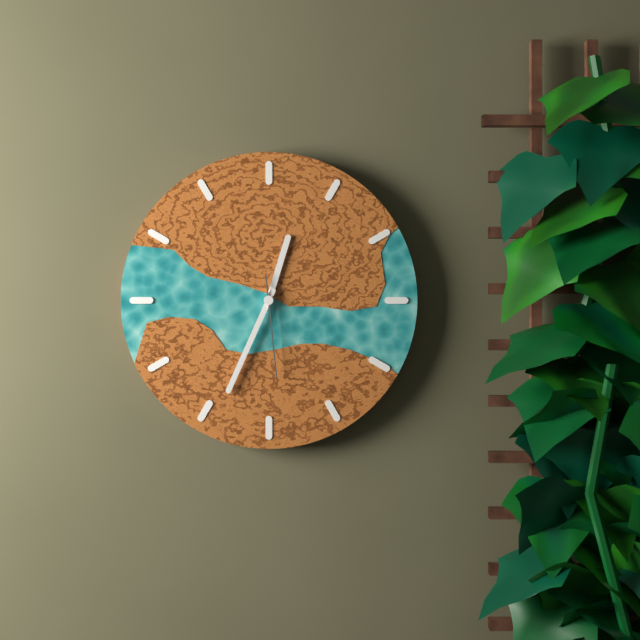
12:34:29
